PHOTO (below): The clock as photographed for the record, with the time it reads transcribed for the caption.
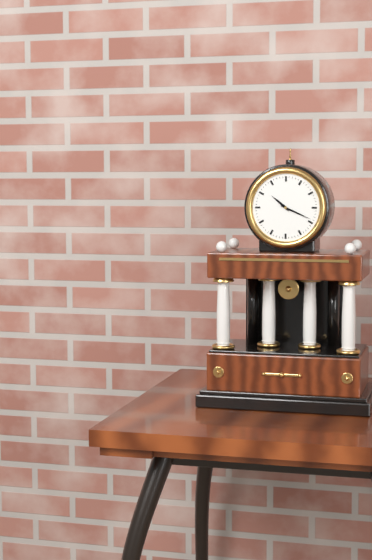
10:19
